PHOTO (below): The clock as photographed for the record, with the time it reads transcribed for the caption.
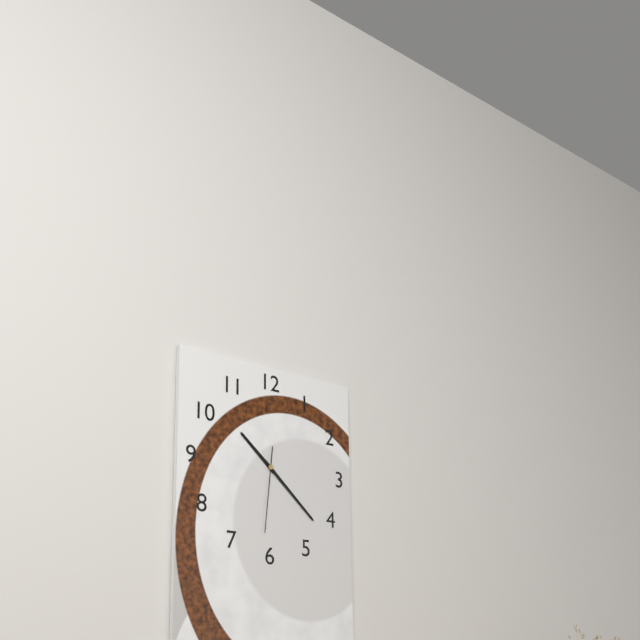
10:22:31
